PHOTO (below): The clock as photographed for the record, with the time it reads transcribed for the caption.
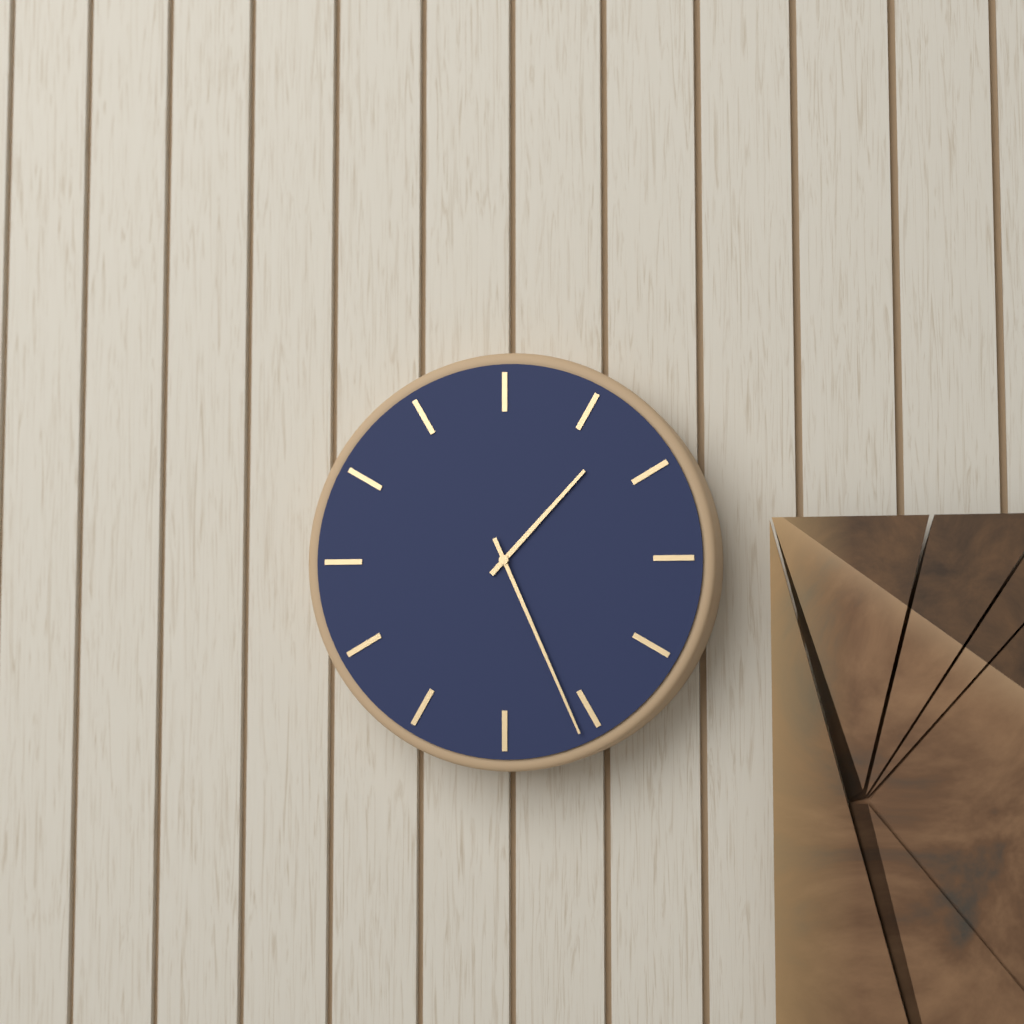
1:26
